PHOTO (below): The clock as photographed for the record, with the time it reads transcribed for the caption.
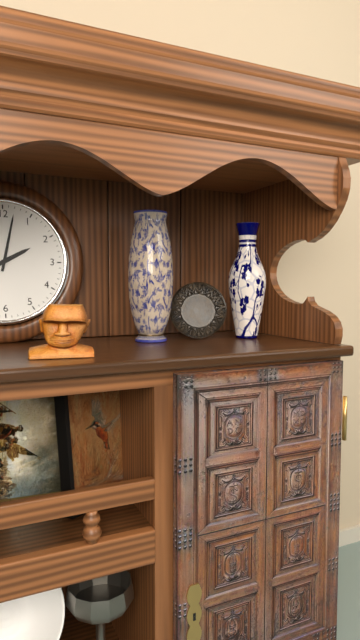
2:02
